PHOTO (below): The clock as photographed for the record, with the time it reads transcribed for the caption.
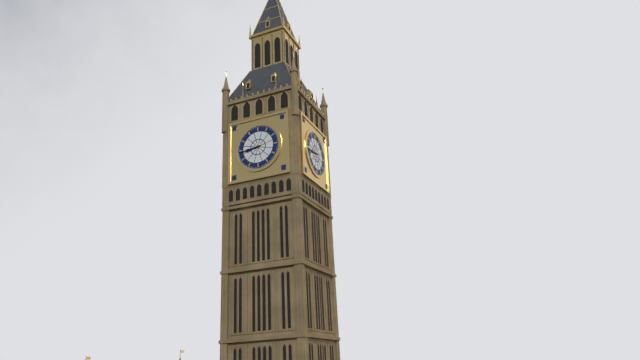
8:44
